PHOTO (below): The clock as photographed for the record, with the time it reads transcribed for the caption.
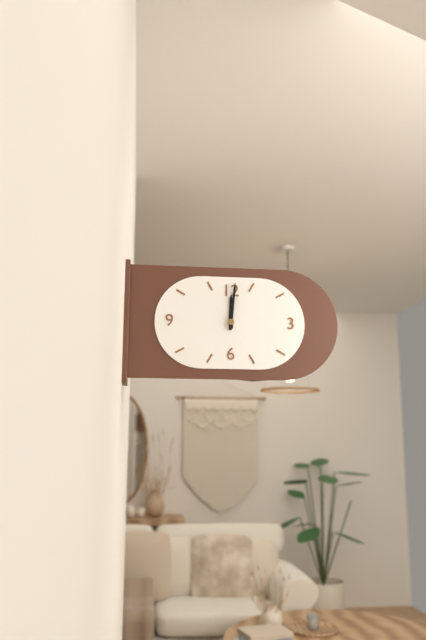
12:01
